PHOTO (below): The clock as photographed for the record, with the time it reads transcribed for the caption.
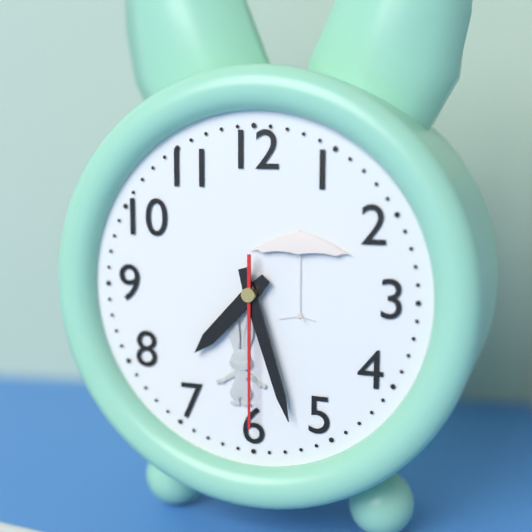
7:27:30
